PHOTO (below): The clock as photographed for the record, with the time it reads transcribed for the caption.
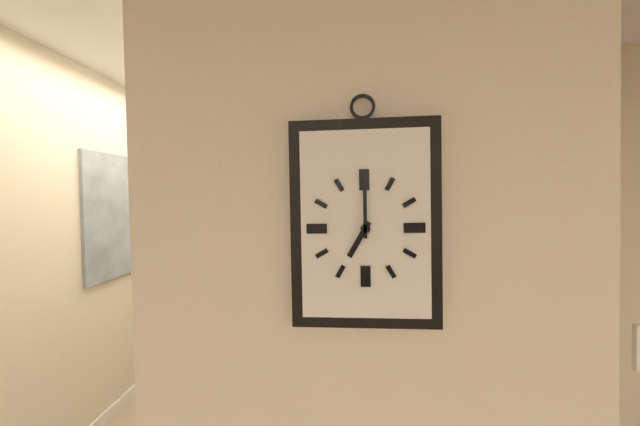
7:00
